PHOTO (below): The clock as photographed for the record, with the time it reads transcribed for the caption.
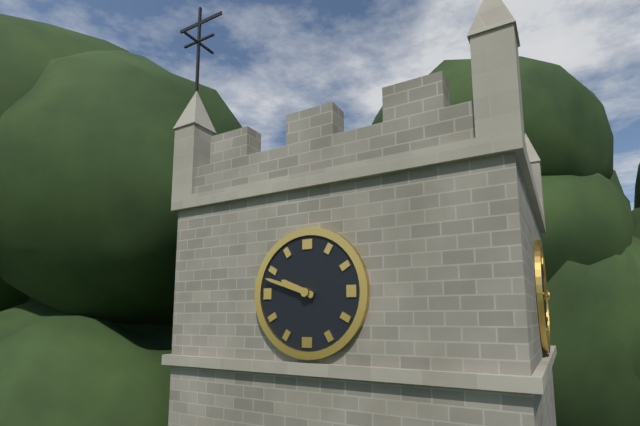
9:48
